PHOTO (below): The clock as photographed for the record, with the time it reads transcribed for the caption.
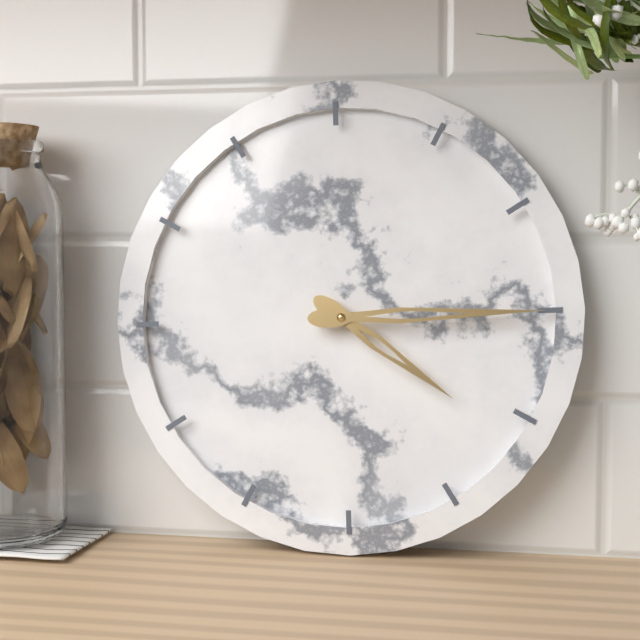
4:15
